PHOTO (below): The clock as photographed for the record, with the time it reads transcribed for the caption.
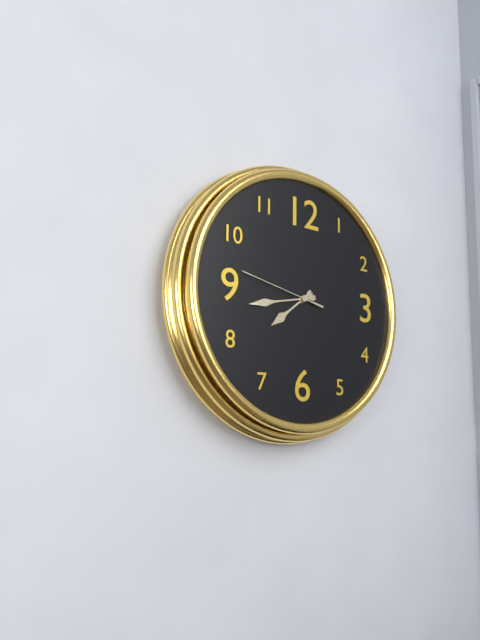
7:43:47
